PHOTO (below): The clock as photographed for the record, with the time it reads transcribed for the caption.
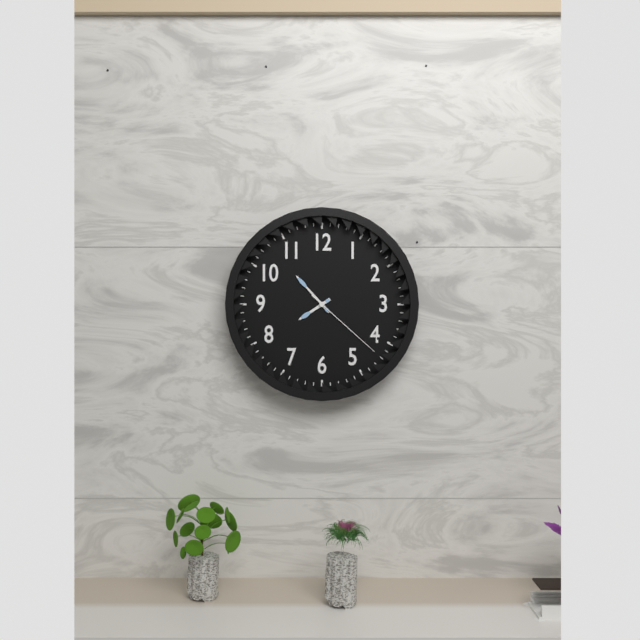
7:53:22
